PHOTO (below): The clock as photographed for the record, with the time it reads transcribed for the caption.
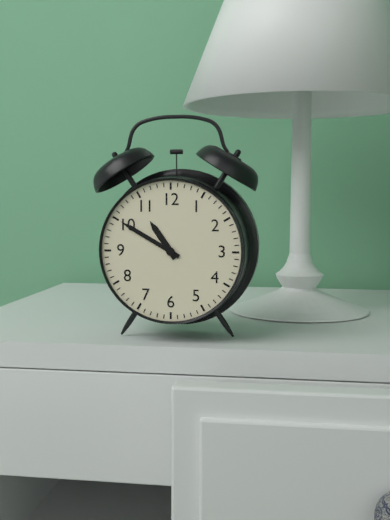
10:50
